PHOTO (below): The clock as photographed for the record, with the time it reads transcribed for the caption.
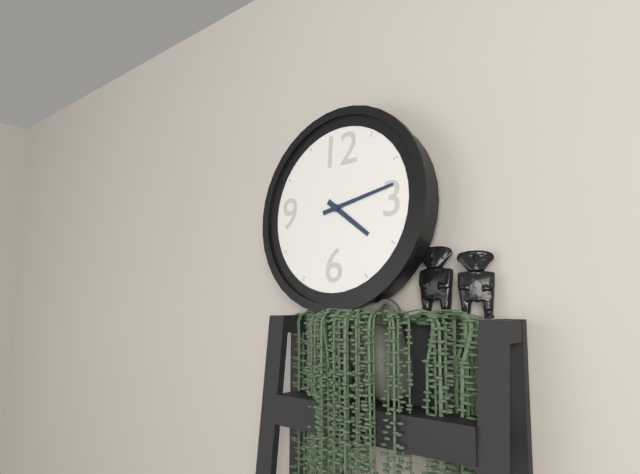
4:13
